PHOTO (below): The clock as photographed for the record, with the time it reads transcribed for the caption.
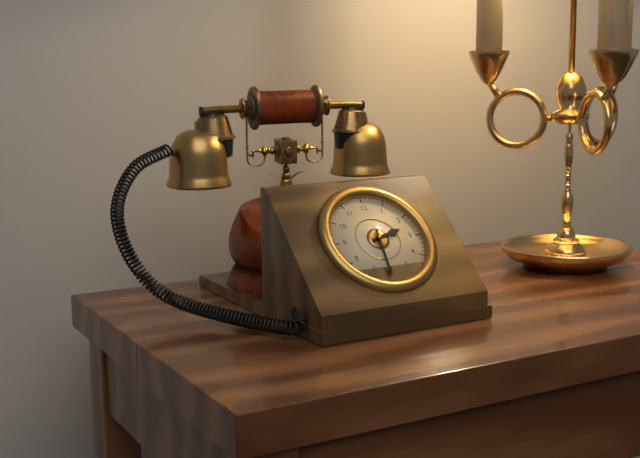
2:31
